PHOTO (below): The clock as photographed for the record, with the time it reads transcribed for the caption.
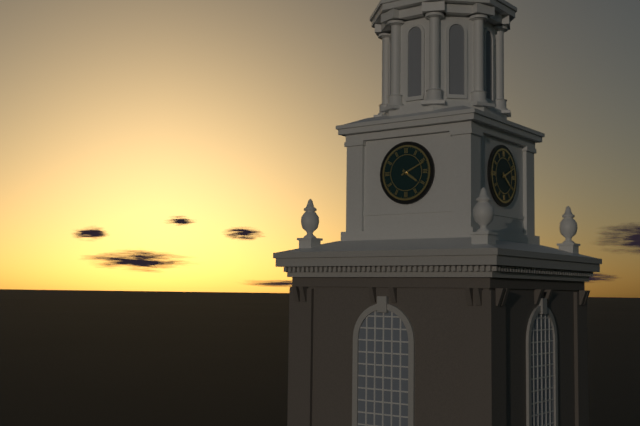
4:11
